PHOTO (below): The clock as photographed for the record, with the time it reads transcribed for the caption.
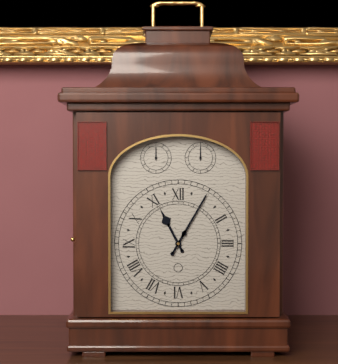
11:05
